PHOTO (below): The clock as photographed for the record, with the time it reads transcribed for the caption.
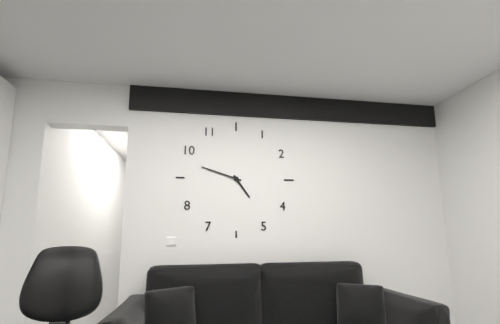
4:48
